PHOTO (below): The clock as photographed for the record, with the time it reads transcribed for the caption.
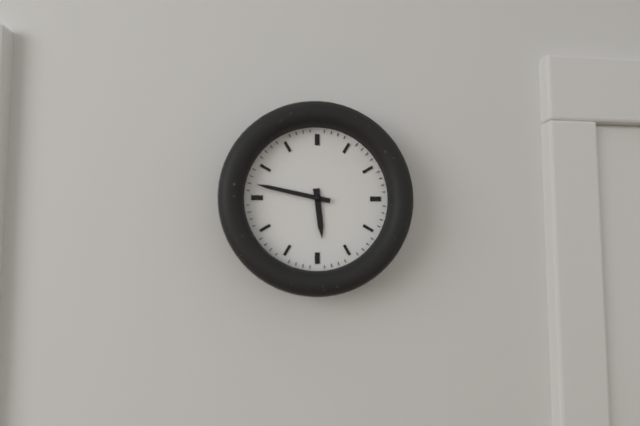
5:47
